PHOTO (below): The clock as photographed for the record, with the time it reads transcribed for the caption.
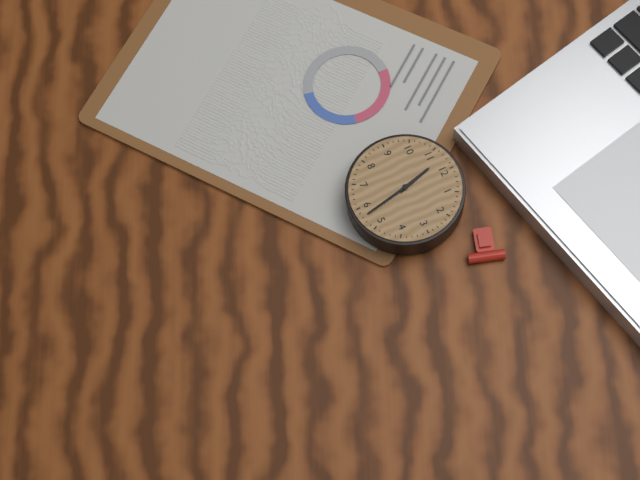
11:28
